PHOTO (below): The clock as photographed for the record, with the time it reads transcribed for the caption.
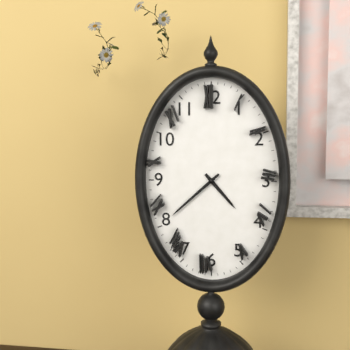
4:38
